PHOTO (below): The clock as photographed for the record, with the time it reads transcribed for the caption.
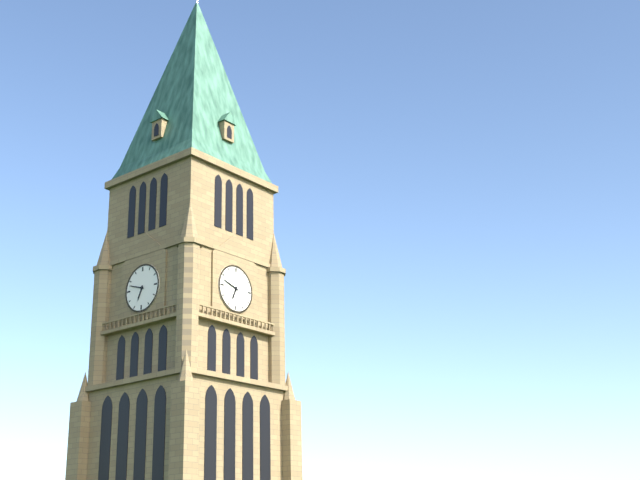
6:48
